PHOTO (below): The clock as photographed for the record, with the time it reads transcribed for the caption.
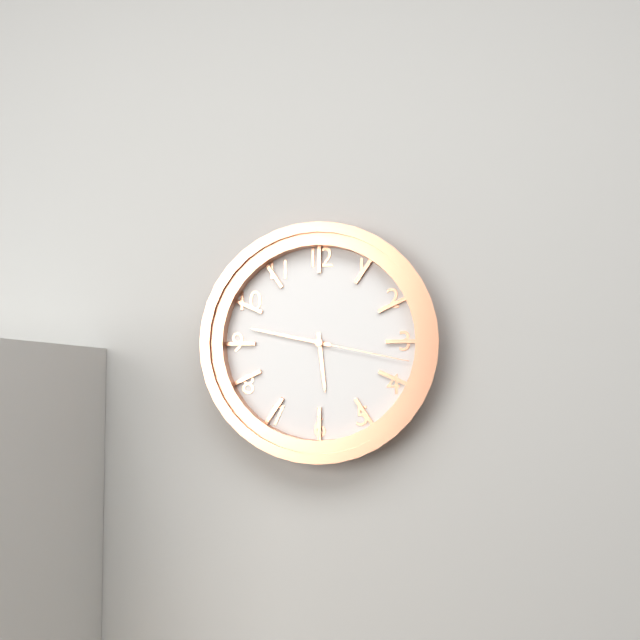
5:47:17
